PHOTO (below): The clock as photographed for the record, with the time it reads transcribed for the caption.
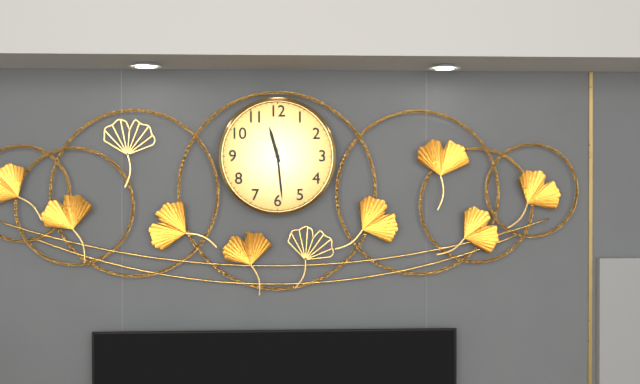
11:29
